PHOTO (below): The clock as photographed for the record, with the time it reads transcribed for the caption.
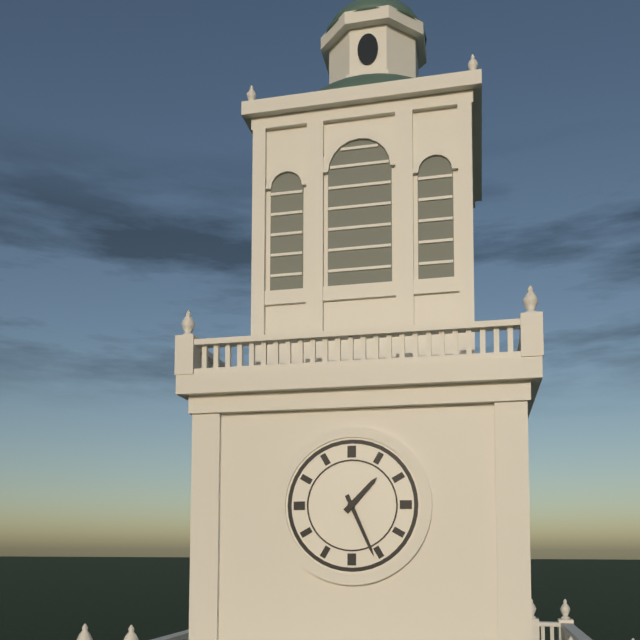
1:26
